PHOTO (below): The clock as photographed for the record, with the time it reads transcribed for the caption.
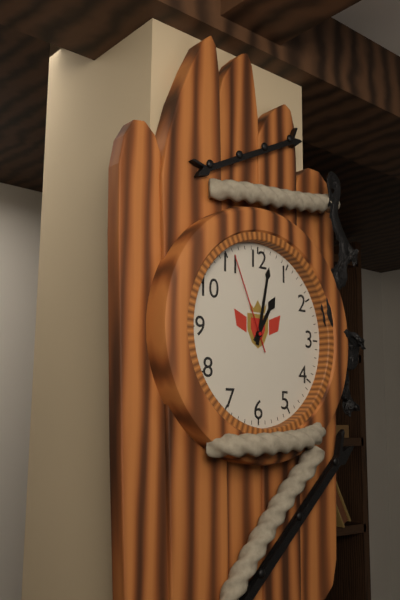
1:02:56
